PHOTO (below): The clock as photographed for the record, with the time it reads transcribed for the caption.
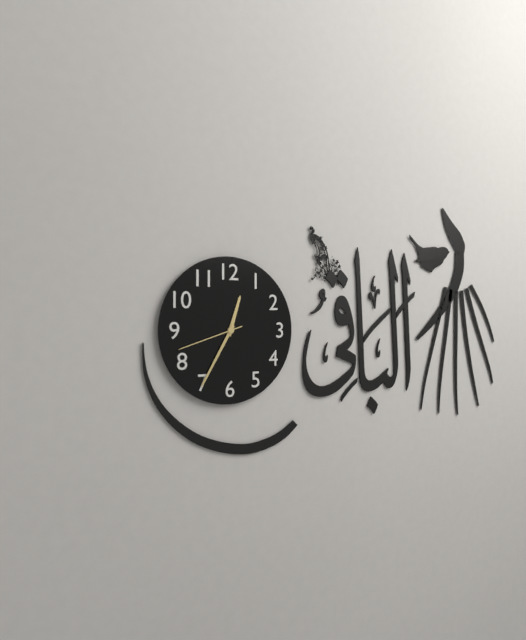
12:35:42
